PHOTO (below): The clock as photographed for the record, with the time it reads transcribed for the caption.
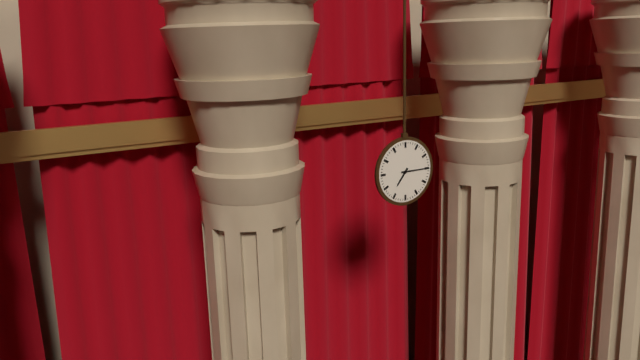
7:15
